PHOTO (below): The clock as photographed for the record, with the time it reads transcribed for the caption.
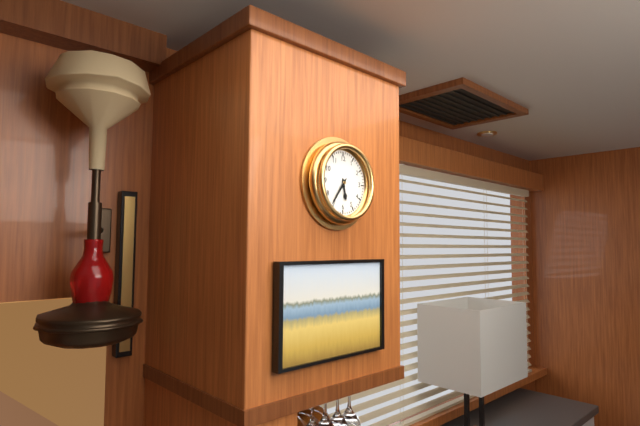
5:36
